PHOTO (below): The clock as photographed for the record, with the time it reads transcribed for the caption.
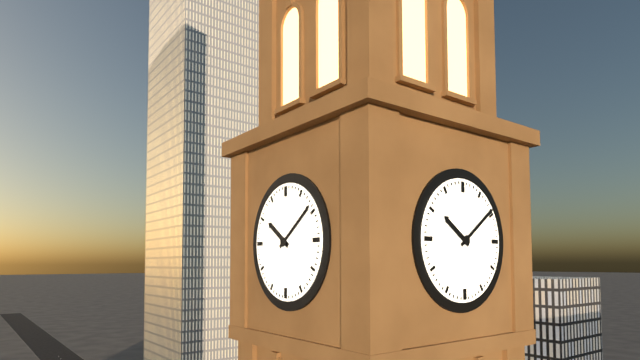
10:09
